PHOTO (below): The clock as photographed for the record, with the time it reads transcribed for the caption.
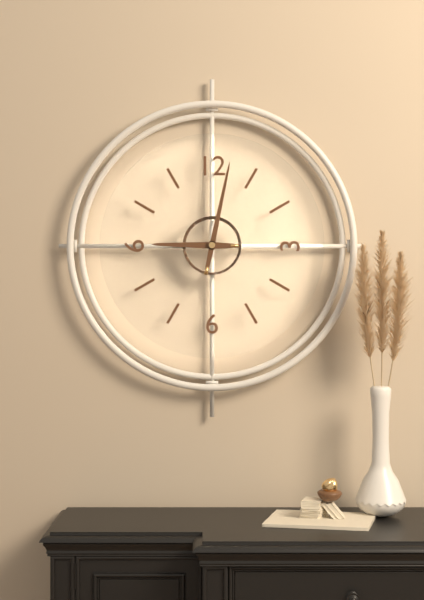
9:02
